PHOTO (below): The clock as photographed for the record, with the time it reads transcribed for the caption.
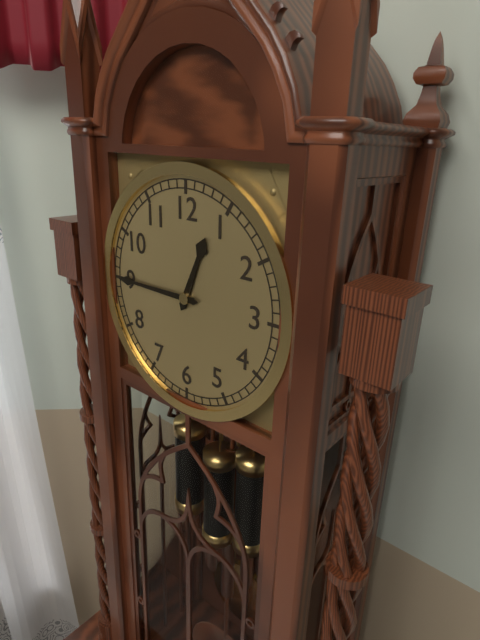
12:45
